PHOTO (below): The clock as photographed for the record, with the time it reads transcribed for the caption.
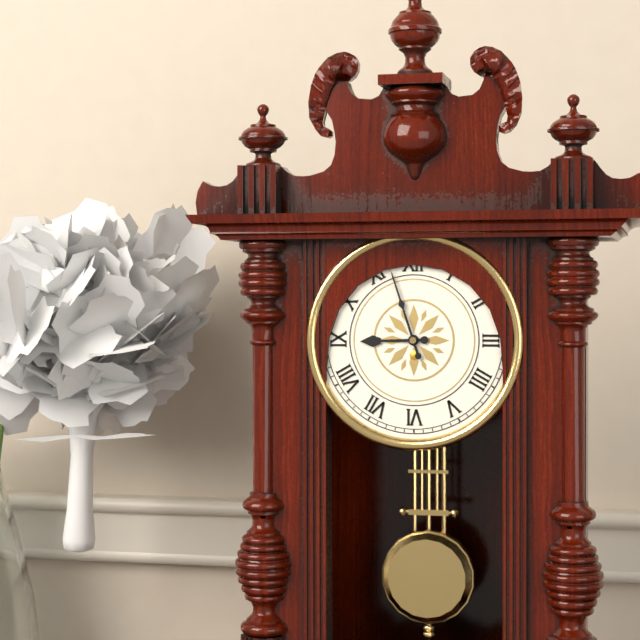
8:57
